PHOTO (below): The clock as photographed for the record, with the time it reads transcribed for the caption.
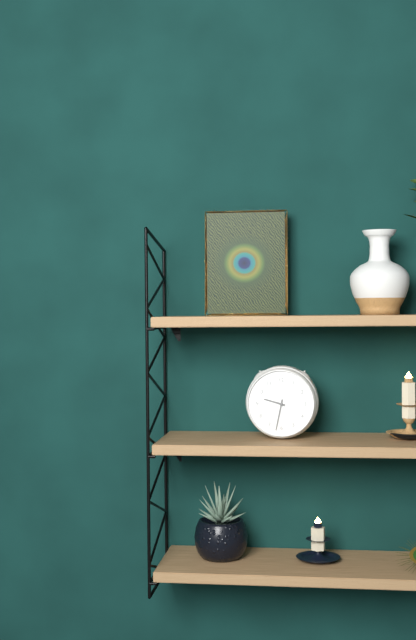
9:32
